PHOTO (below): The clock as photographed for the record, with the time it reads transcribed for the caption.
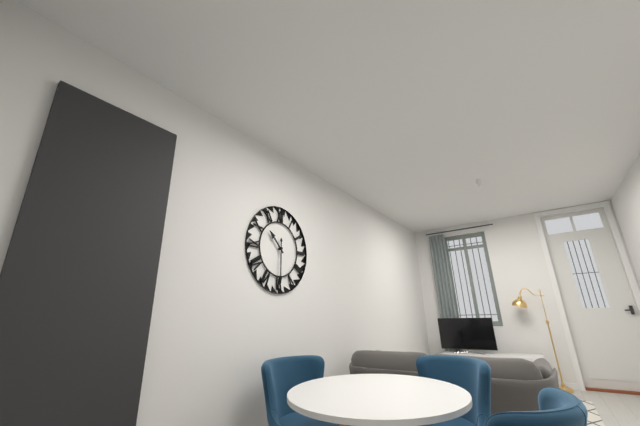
10:30
